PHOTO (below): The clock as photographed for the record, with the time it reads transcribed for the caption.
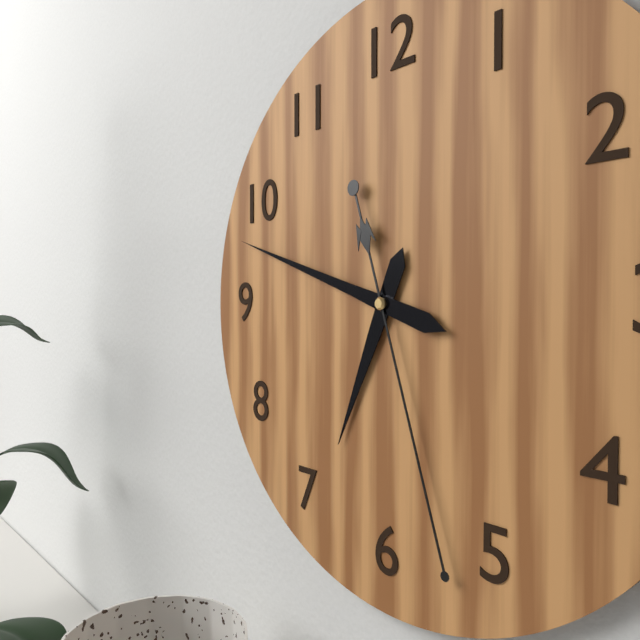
6:48:27
